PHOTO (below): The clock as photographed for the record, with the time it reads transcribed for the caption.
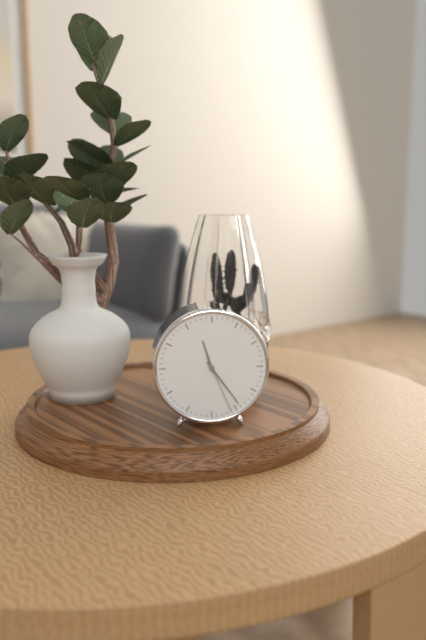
11:24:26
